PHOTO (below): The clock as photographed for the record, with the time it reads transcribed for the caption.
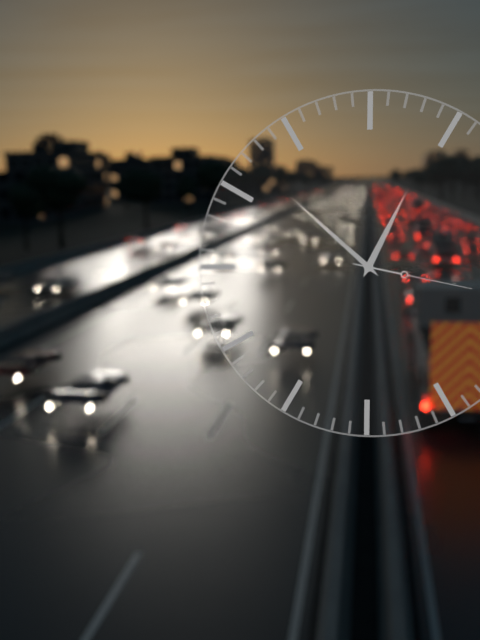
12:52:17
